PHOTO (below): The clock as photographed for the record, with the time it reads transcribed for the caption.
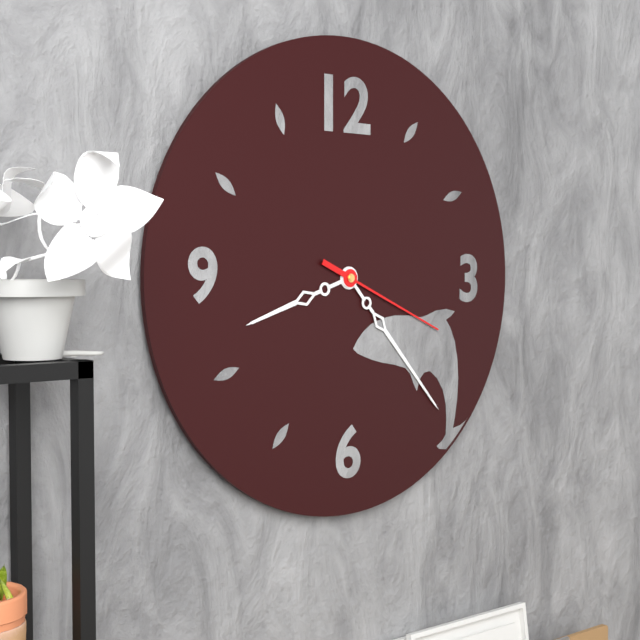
8:23:19
